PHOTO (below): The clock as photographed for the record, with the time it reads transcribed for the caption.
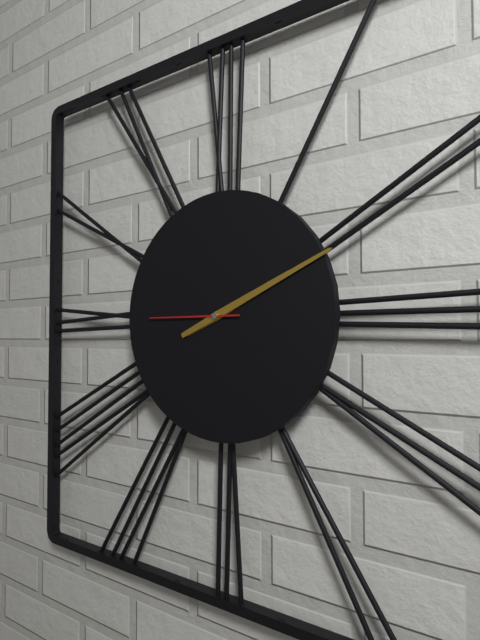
2:11:45
